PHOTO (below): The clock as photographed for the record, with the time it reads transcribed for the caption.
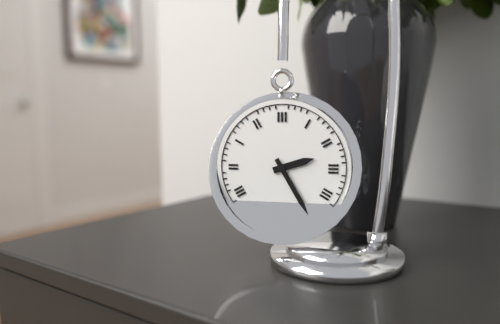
2:25
